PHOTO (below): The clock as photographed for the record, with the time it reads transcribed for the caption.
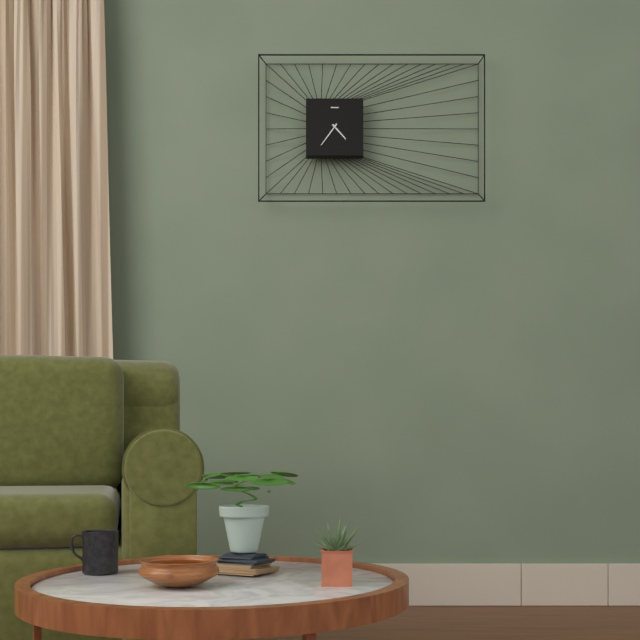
4:36
